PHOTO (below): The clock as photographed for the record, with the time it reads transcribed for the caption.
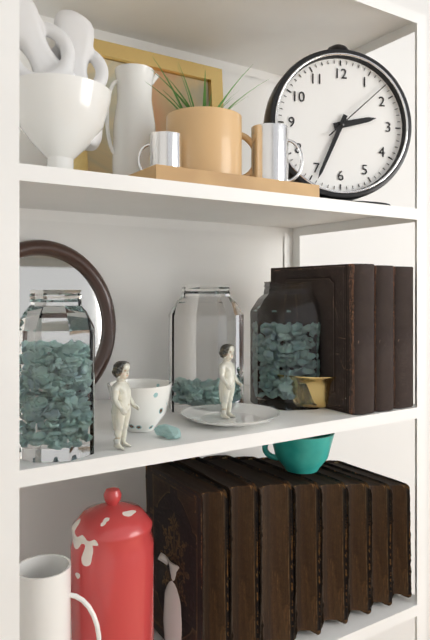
2:34:08
